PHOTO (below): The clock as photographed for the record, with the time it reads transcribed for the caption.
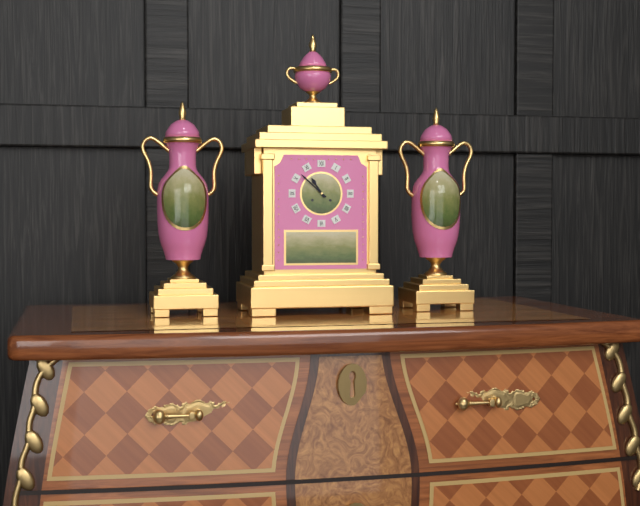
10:52
